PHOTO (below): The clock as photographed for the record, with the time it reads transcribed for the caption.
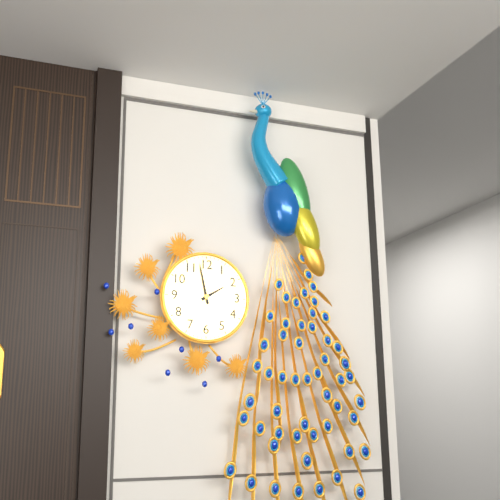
1:58
